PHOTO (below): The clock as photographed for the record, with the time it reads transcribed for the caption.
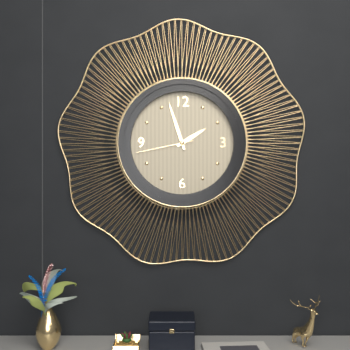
1:57:43
